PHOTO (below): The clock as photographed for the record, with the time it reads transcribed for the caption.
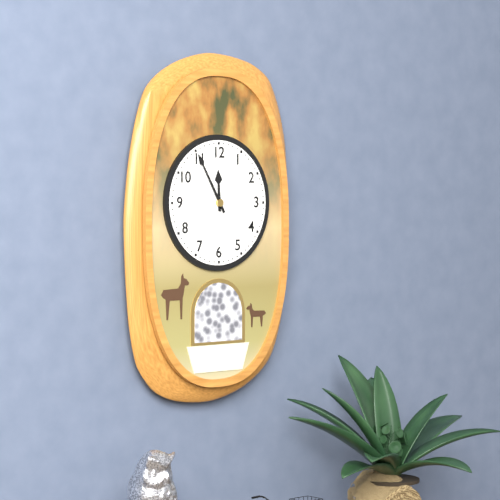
11:55
